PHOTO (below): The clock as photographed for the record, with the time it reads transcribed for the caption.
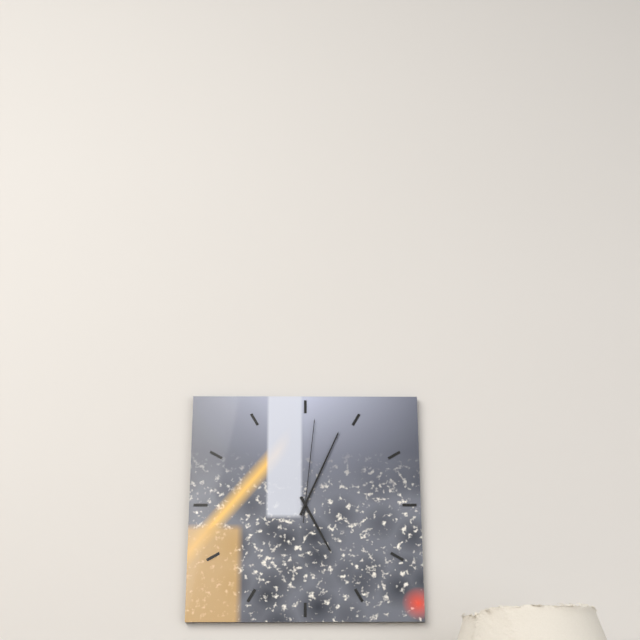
5:04:01
